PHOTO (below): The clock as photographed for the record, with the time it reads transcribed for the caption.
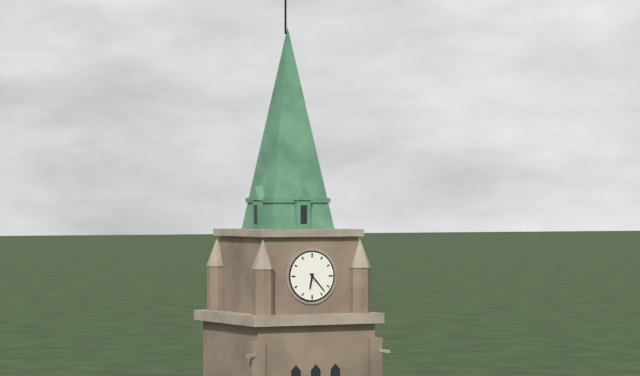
6:23
